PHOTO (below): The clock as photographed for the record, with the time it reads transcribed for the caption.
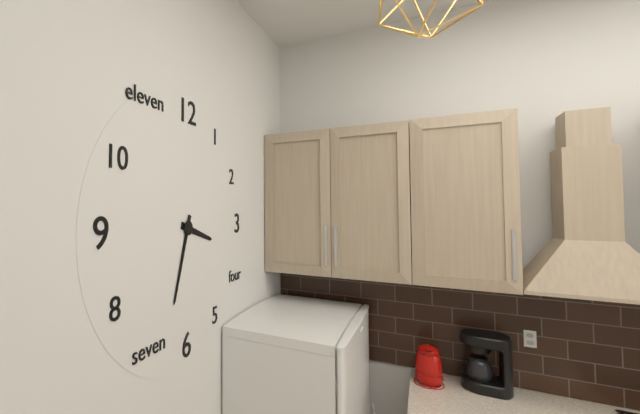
3:33
